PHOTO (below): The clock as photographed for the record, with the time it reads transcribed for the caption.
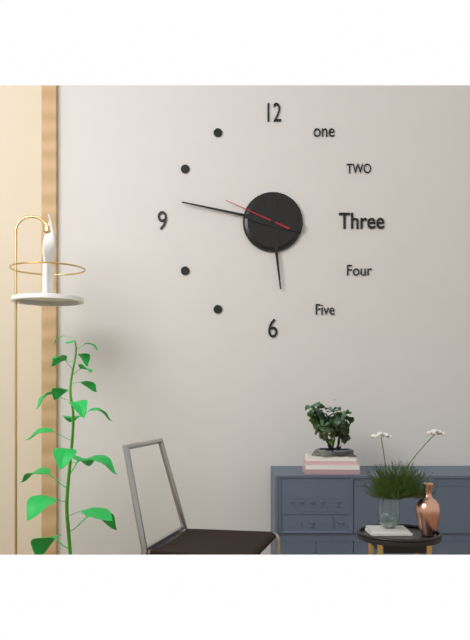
5:47:49
